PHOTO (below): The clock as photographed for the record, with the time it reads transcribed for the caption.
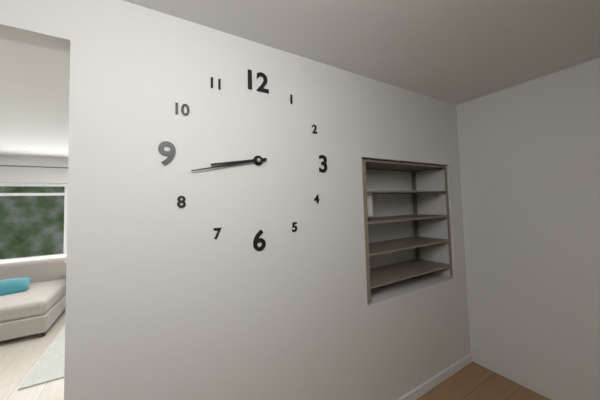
8:43
